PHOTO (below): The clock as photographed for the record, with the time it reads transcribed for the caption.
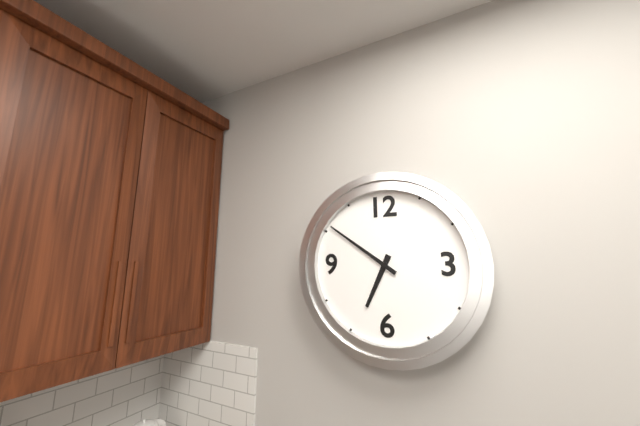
6:51
